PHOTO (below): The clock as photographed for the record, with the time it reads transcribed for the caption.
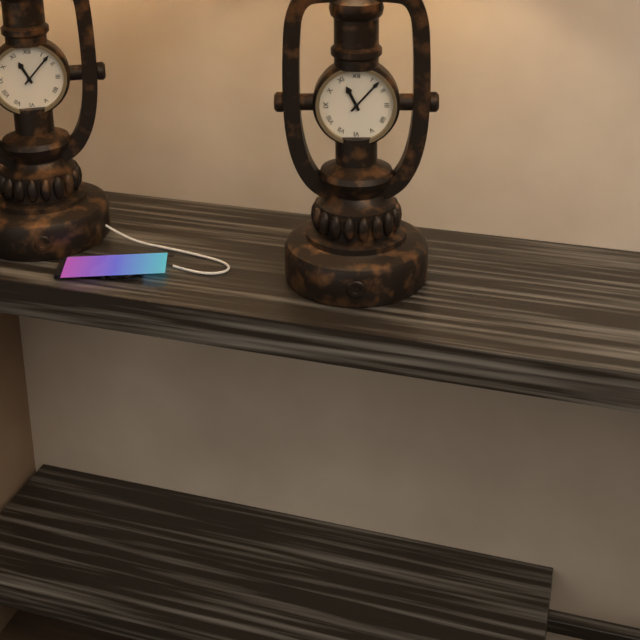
11:07
